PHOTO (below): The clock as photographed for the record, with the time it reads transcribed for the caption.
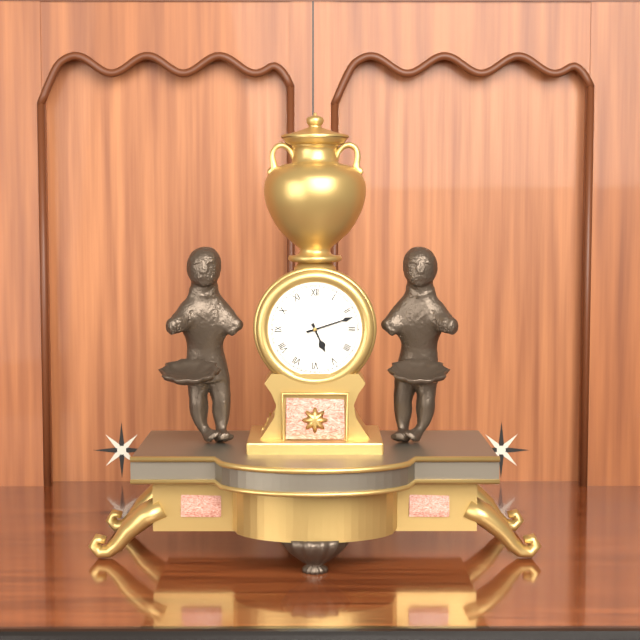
5:12
